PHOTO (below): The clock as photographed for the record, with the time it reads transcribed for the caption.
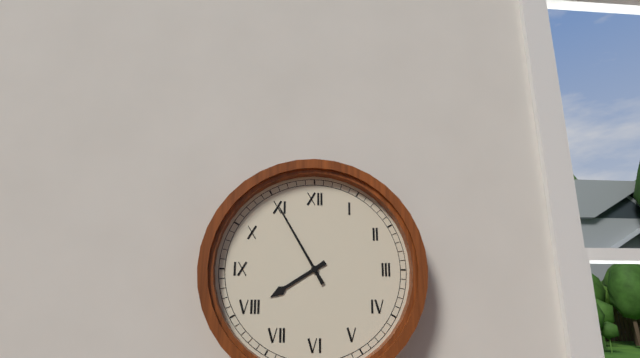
7:55
